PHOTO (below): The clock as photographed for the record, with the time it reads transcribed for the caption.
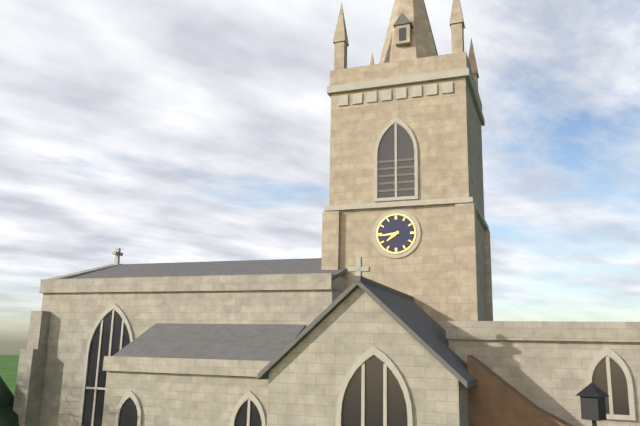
7:44
